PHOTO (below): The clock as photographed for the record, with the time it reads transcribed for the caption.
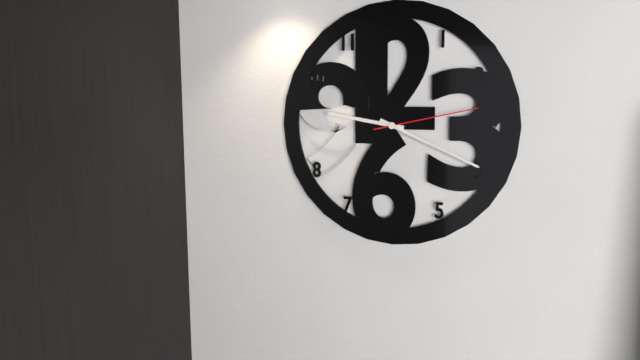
9:19:13
